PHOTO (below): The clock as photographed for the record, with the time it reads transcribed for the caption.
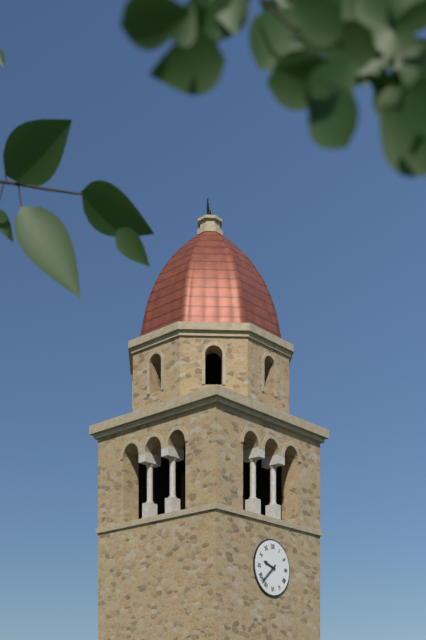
9:38
